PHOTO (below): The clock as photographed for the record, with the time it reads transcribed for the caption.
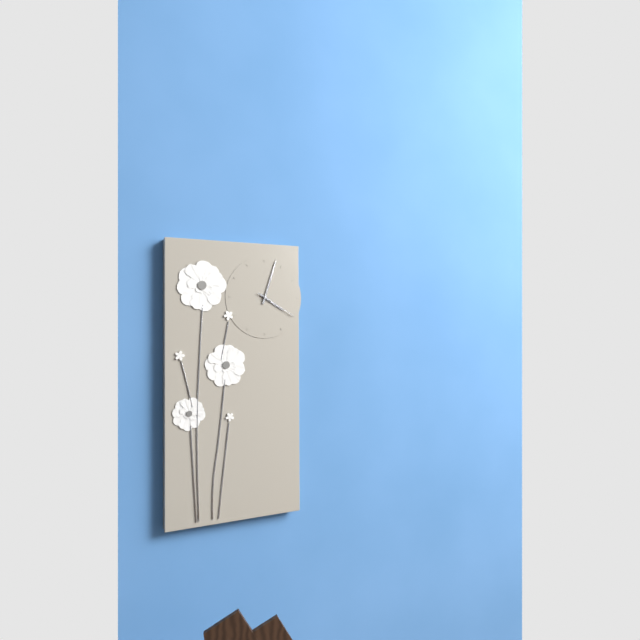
4:03
